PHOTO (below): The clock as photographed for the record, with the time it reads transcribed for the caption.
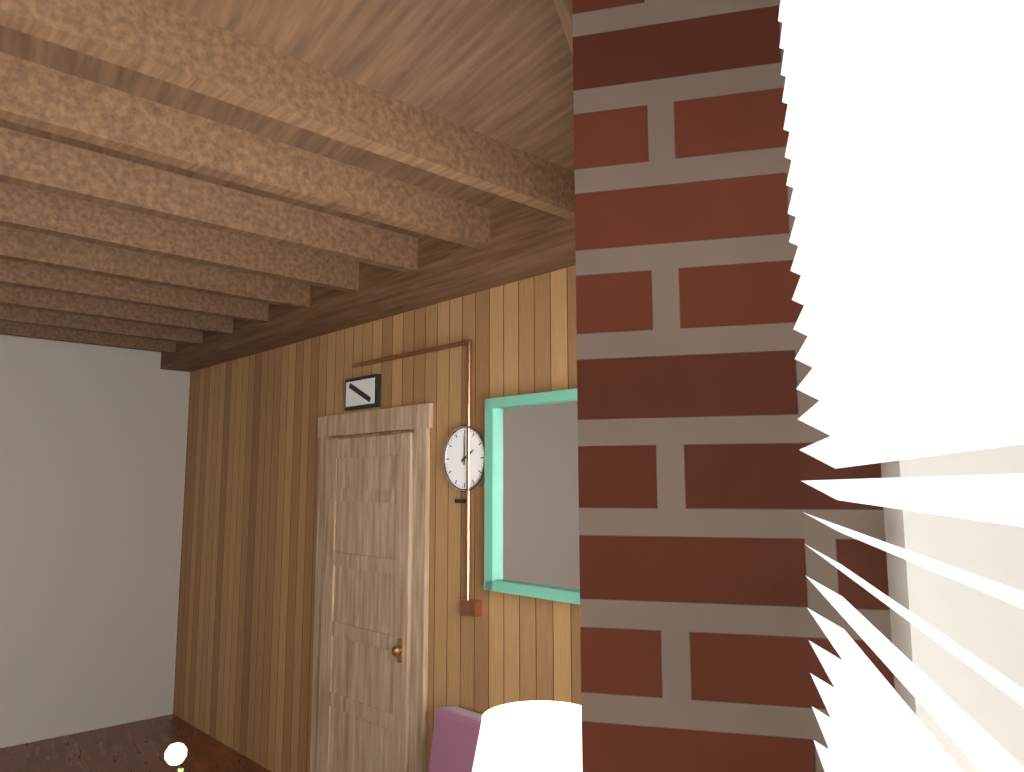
2:00
